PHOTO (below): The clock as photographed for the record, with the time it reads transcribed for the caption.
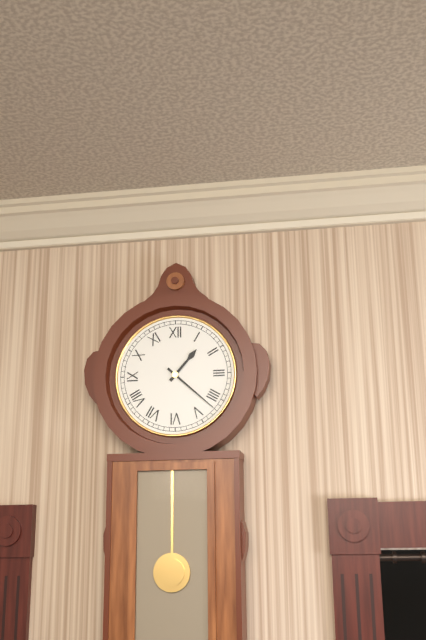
1:22
